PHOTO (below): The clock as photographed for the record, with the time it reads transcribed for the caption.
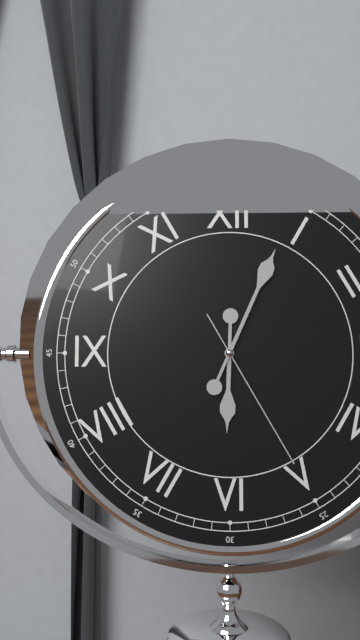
6:04:25
